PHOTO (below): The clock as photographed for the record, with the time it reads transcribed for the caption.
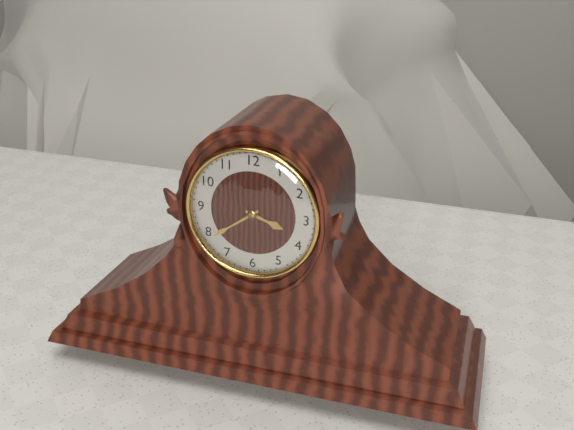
3:39
